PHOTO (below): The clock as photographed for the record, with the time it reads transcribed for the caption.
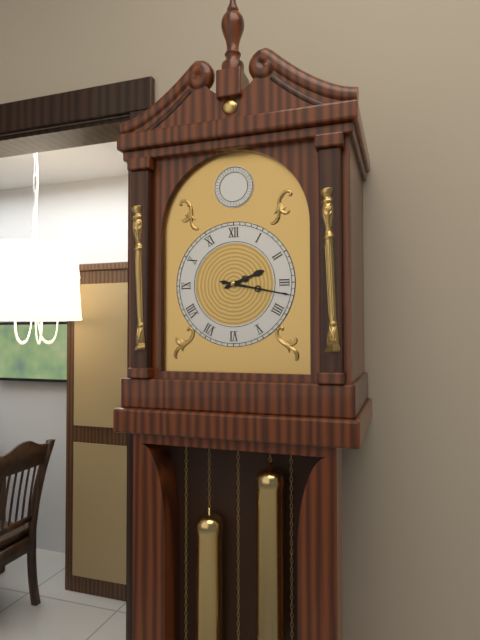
2:17
